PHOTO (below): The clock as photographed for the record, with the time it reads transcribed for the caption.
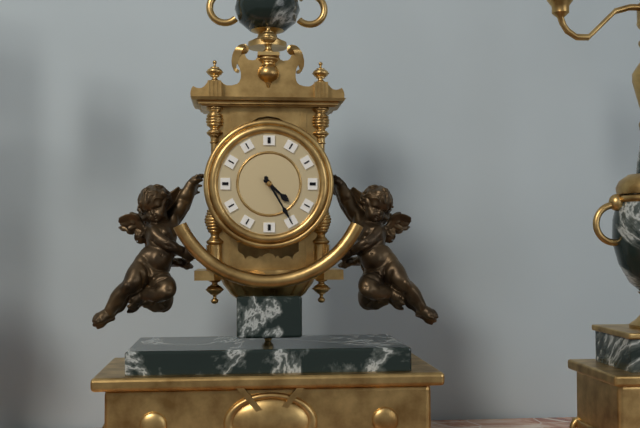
4:25
